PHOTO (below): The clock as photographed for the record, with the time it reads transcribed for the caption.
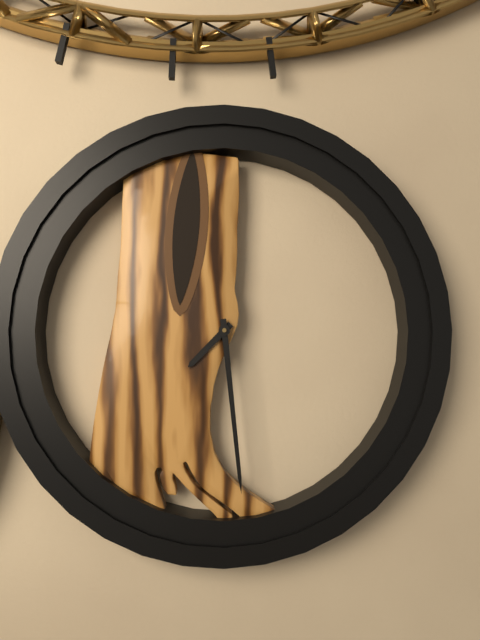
7:29
